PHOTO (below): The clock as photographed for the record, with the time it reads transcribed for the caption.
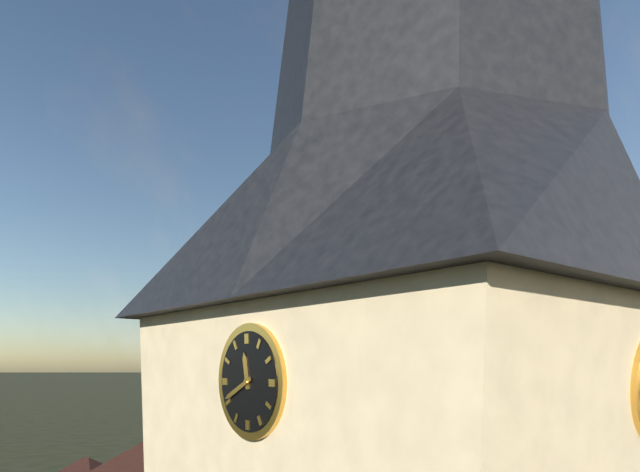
11:41
